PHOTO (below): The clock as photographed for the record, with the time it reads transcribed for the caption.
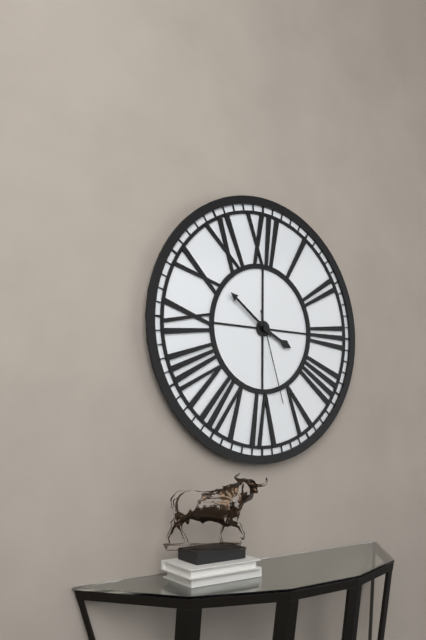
3:51:27
